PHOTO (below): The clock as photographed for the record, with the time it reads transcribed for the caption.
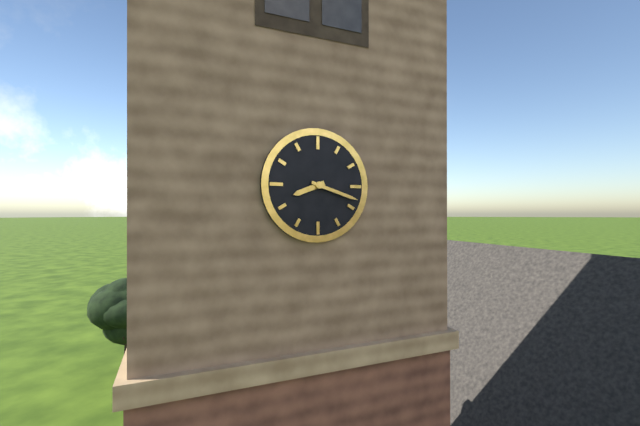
8:18
